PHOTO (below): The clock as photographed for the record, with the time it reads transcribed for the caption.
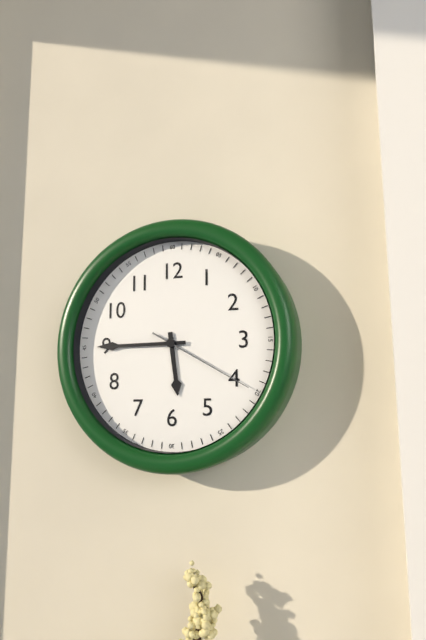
5:45:20
